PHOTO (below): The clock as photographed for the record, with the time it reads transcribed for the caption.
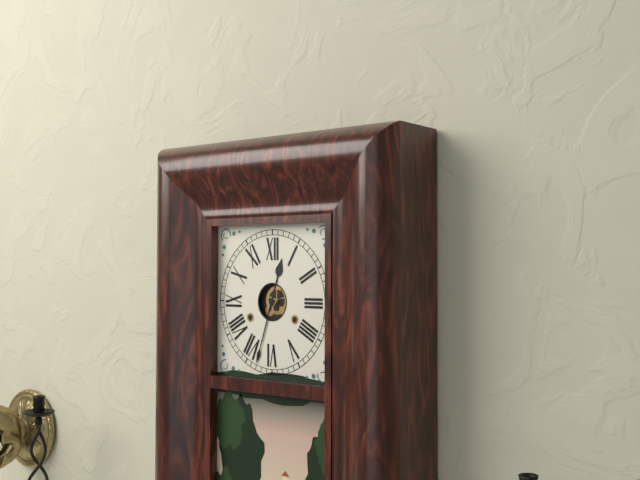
12:33
